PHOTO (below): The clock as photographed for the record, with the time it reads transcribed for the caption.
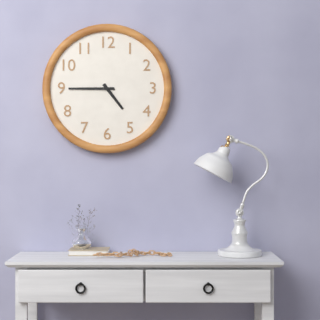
4:45
